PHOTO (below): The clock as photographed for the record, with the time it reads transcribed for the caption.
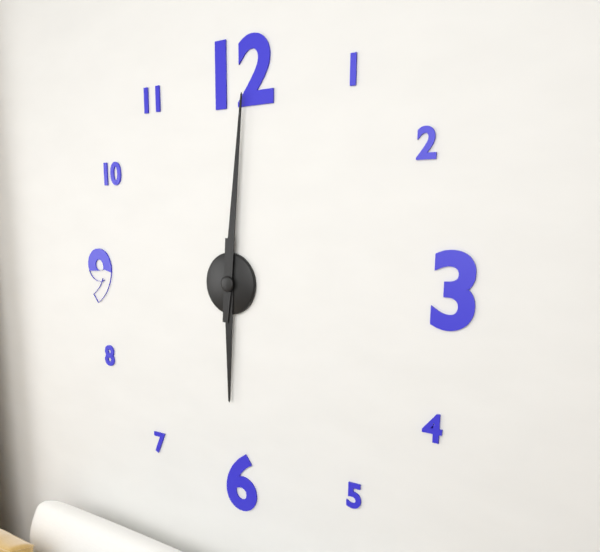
6:01
